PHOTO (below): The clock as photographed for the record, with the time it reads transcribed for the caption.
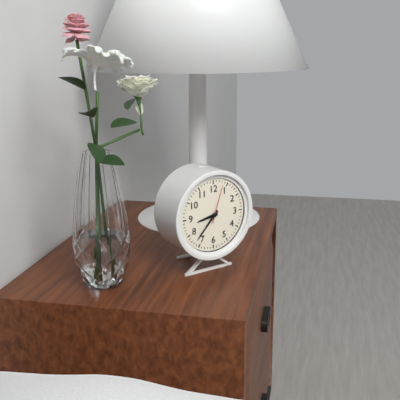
8:37
